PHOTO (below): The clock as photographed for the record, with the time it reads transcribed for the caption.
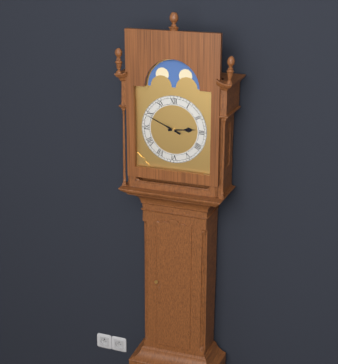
2:49
